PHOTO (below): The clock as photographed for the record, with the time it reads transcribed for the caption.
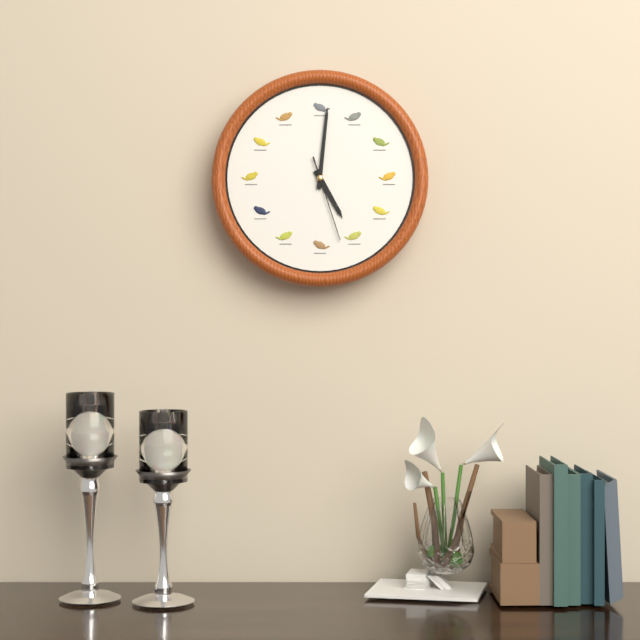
5:01:27
